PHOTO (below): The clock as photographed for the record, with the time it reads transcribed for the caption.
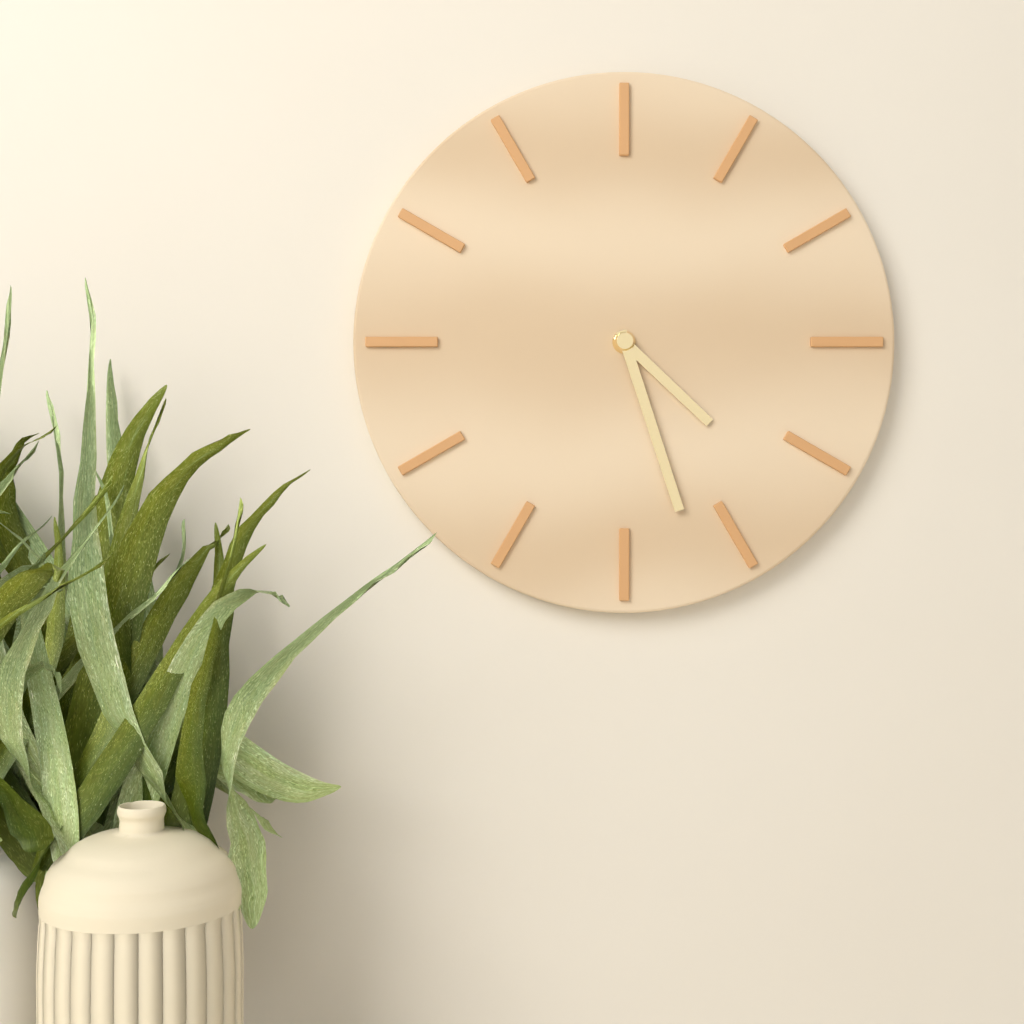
4:27
